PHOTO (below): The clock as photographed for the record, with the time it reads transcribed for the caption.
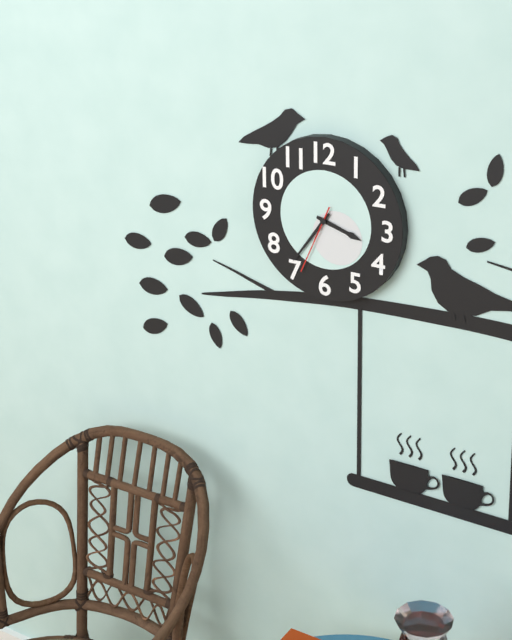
3:36:34
